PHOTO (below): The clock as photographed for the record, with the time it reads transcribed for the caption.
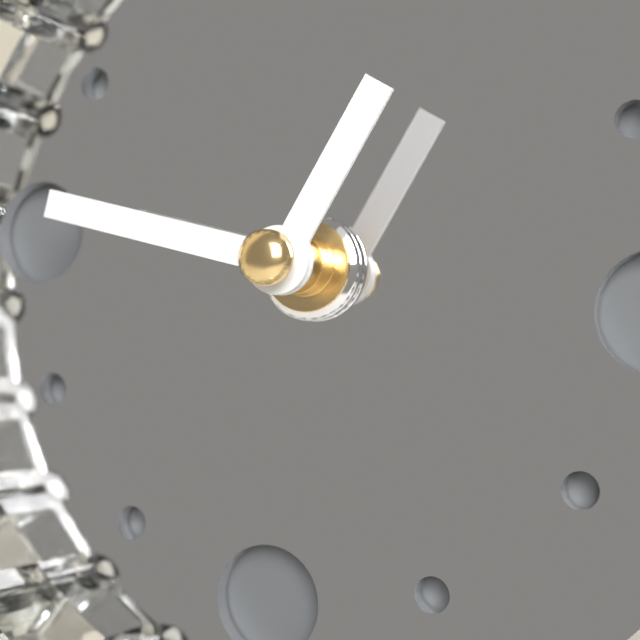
12:46
